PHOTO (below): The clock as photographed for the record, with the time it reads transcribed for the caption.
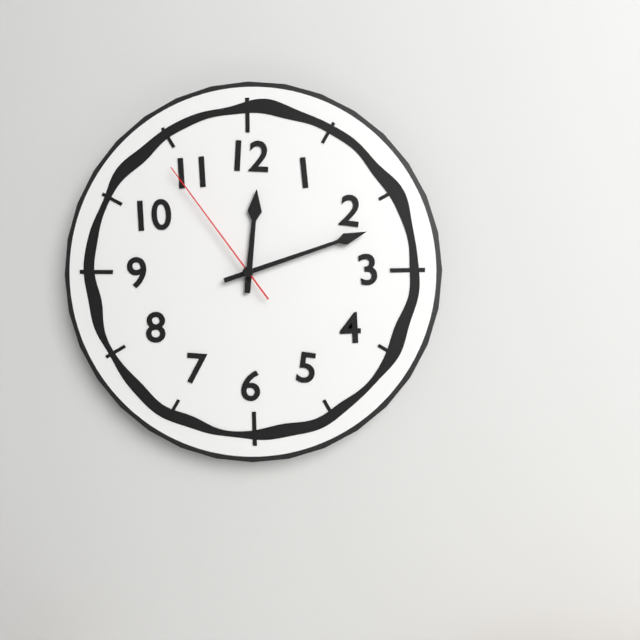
12:12:54
